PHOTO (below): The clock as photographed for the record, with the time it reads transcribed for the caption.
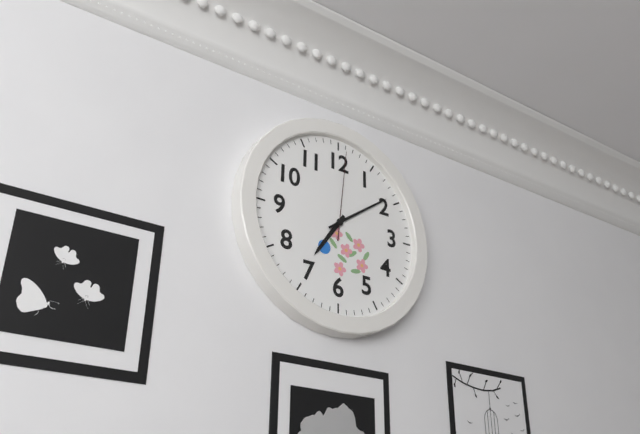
7:09:01
